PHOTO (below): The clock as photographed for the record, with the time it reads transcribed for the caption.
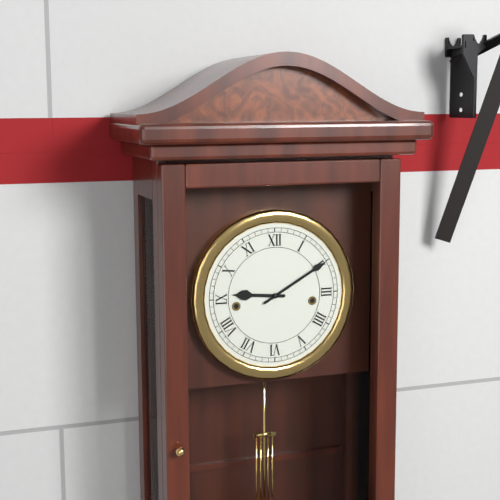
9:10
